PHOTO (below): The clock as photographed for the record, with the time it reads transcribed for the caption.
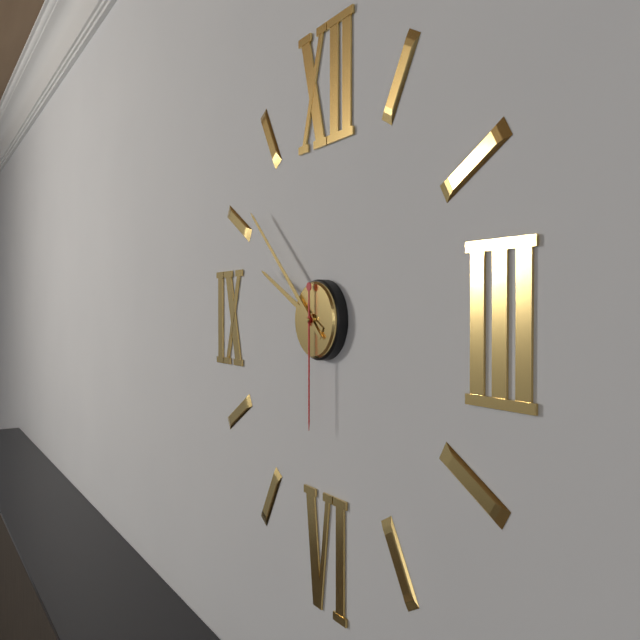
9:52:30
